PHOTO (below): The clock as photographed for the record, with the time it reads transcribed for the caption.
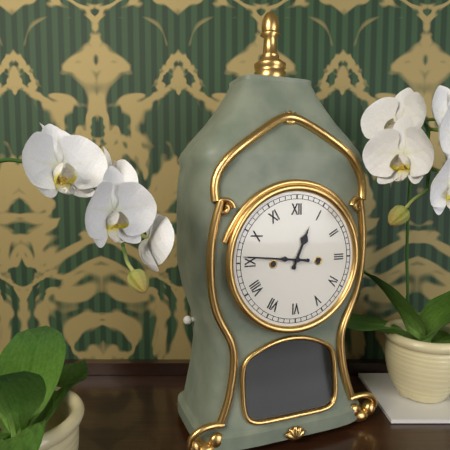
12:46
